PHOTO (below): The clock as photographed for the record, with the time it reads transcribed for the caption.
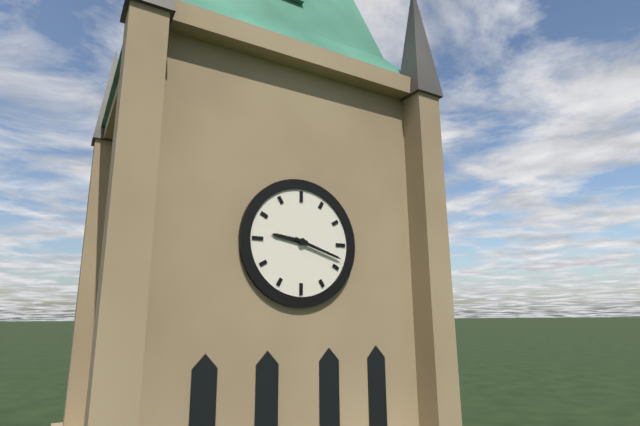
9:18
